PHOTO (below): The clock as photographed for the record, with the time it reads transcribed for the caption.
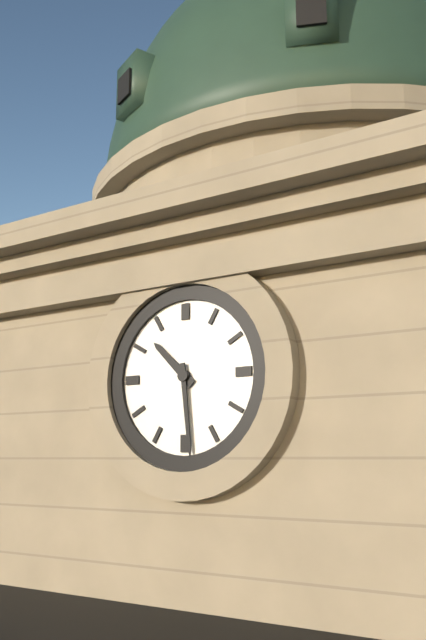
10:29
